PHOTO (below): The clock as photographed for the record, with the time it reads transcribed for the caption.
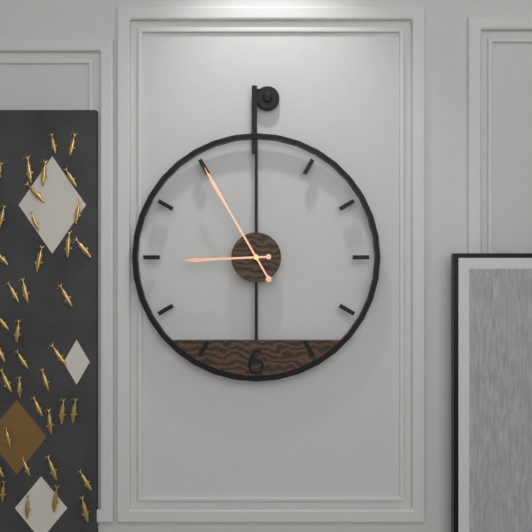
8:55
